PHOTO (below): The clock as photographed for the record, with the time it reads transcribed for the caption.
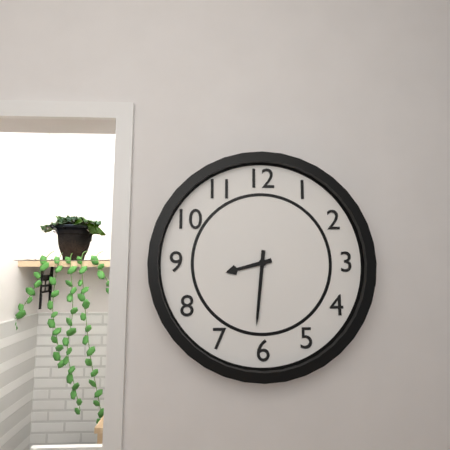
8:31
